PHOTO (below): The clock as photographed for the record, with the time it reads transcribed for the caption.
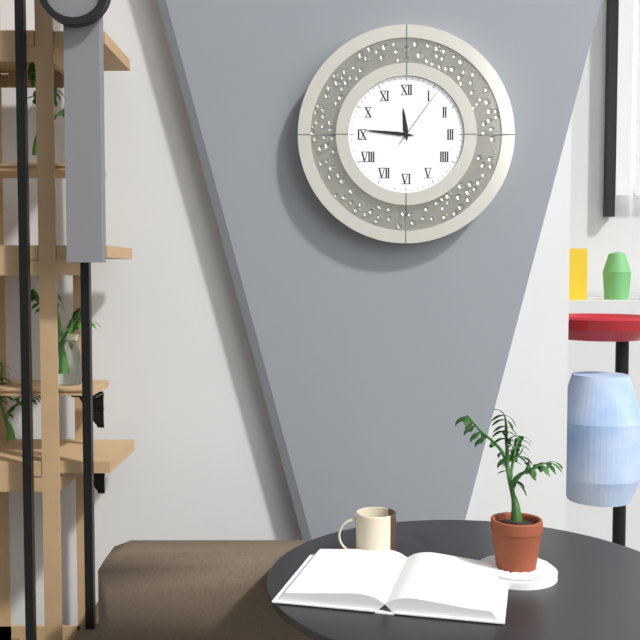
11:46:06
